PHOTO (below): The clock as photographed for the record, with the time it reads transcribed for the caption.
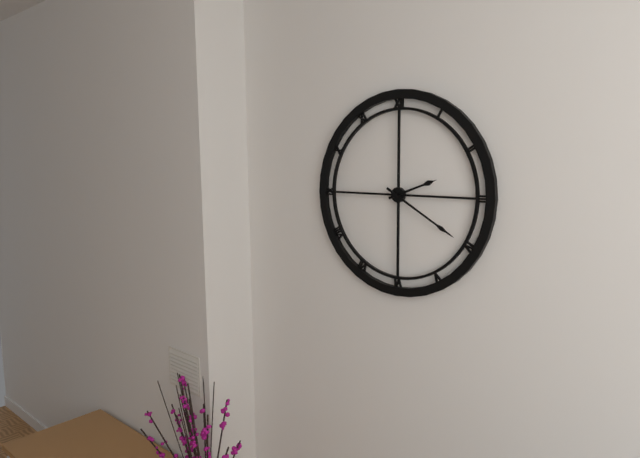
2:20
